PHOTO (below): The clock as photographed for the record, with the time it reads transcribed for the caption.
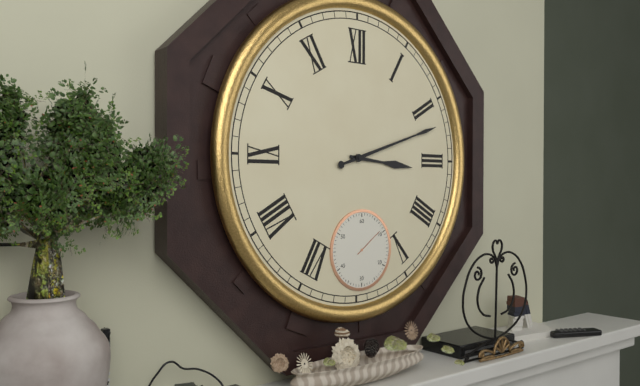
3:12
